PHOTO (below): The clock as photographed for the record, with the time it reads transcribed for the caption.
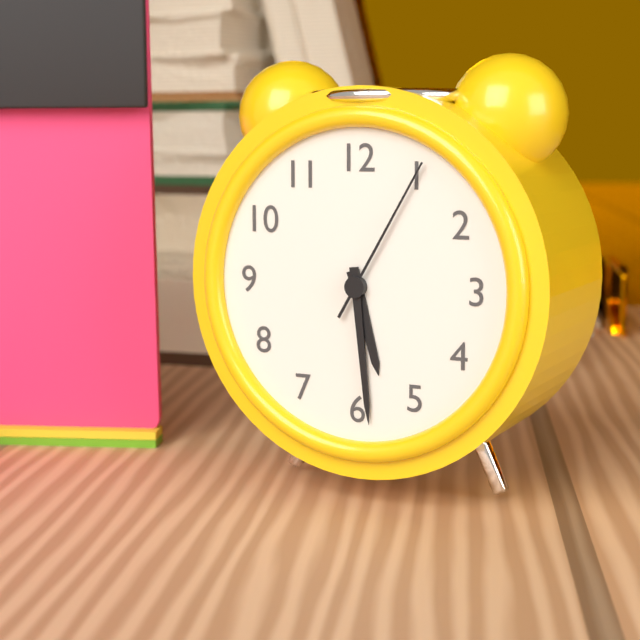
5:29:05
